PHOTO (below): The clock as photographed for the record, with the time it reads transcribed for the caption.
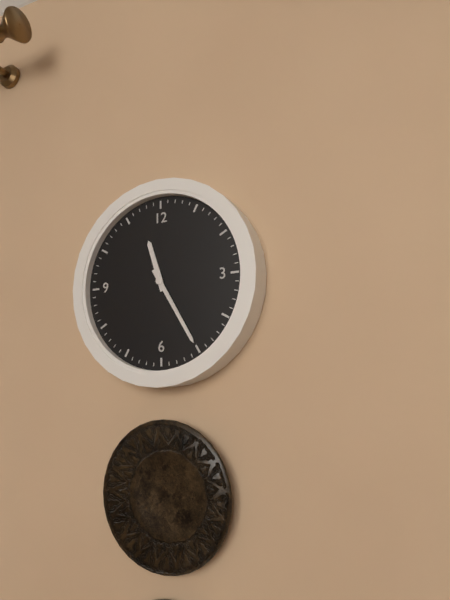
11:25
